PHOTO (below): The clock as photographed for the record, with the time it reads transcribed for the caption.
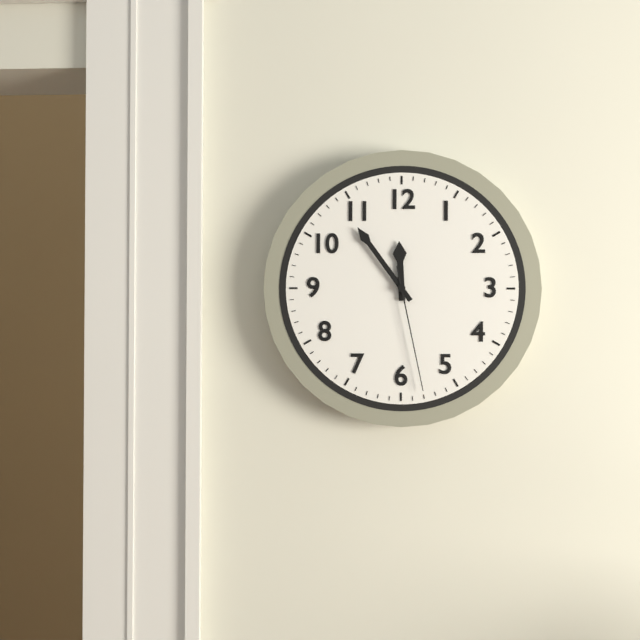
11:54:28
